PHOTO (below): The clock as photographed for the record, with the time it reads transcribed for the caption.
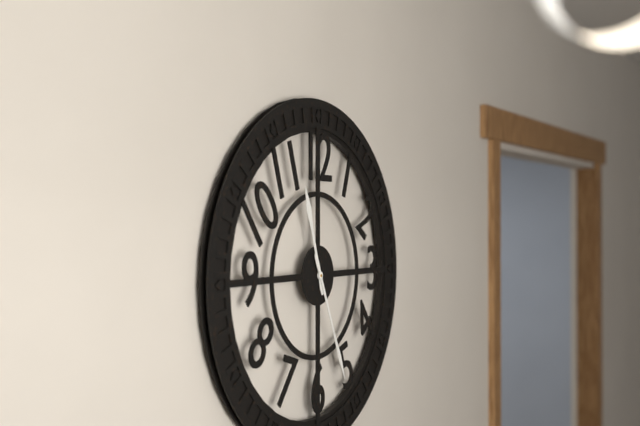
11:26
